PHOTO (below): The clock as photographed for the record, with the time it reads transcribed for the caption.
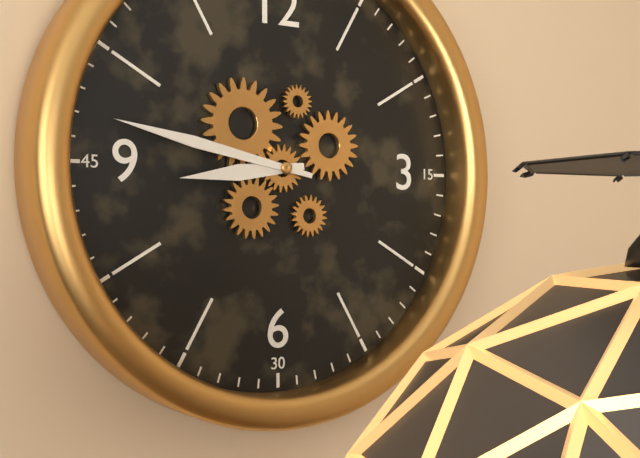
8:47
